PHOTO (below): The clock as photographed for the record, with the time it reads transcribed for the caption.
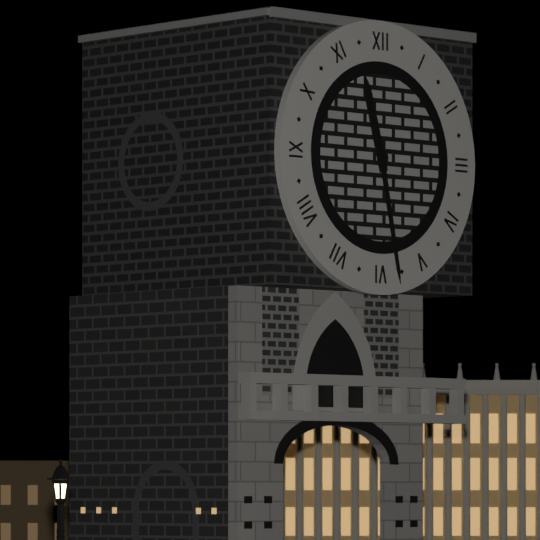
11:28
